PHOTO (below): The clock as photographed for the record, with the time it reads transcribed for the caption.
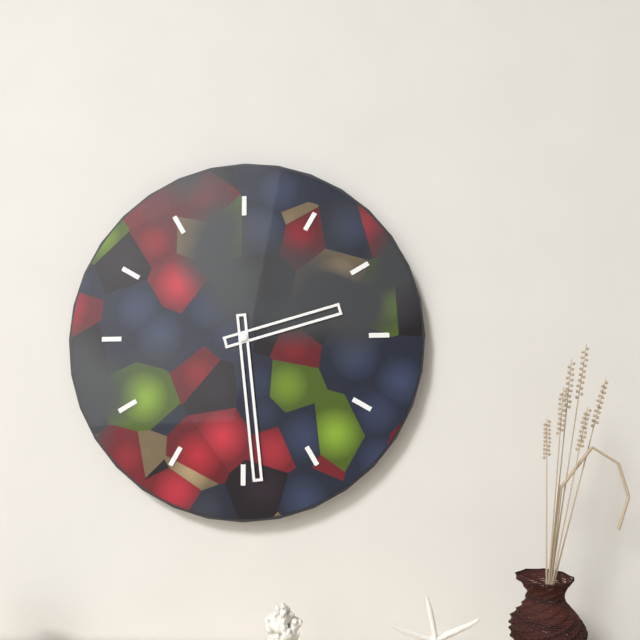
2:29
